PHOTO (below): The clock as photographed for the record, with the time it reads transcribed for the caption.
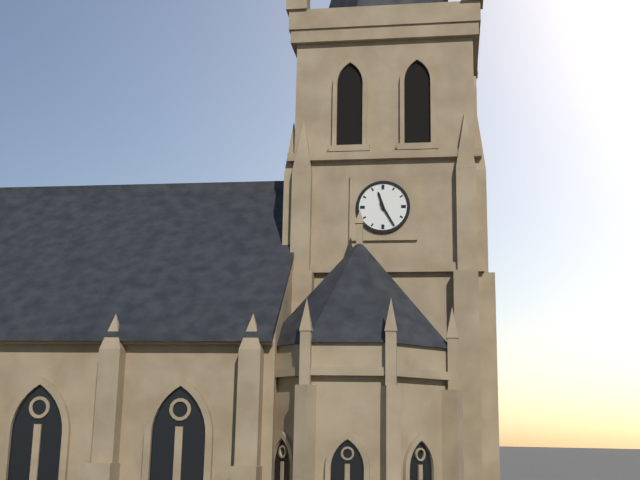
11:25
